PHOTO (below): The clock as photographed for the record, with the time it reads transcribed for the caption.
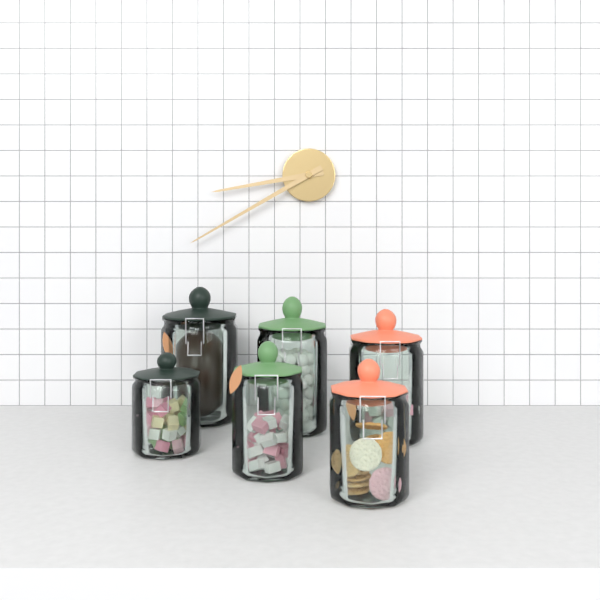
8:40
